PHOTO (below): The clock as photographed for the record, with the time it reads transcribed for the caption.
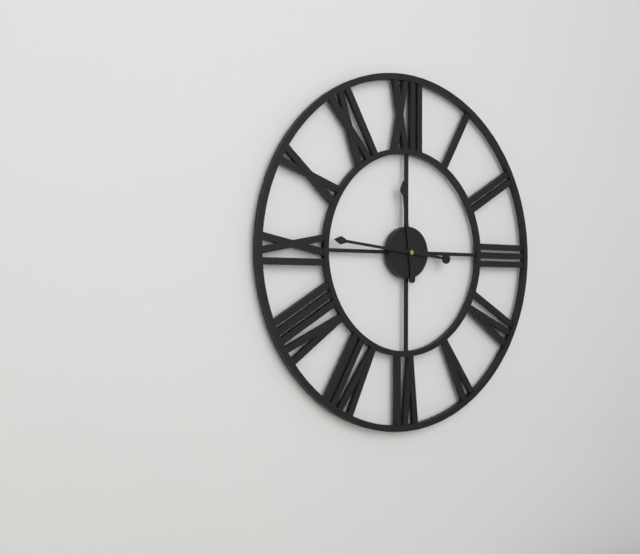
11:46
